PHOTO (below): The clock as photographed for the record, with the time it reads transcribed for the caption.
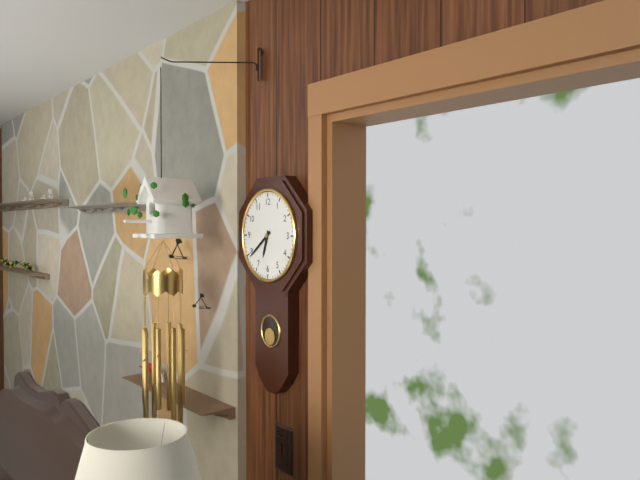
6:39
